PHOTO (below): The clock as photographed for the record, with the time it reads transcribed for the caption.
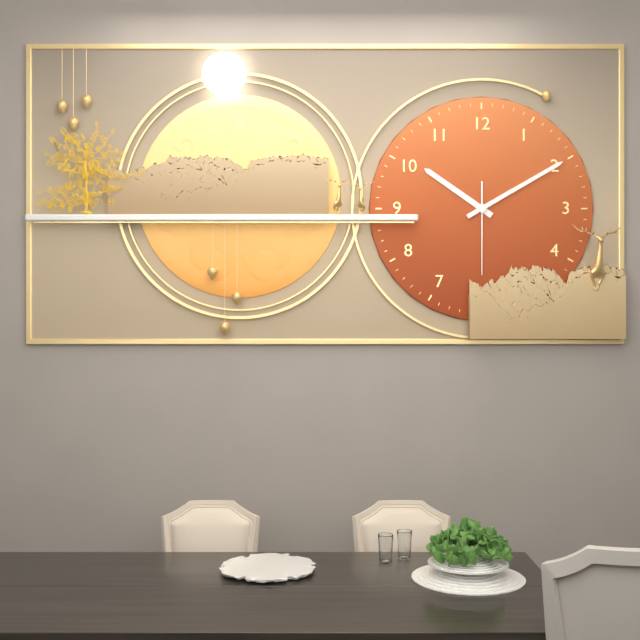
10:10:30
